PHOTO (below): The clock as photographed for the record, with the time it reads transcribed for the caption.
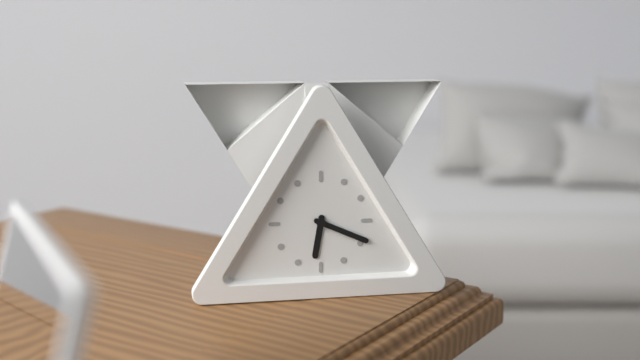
6:19
